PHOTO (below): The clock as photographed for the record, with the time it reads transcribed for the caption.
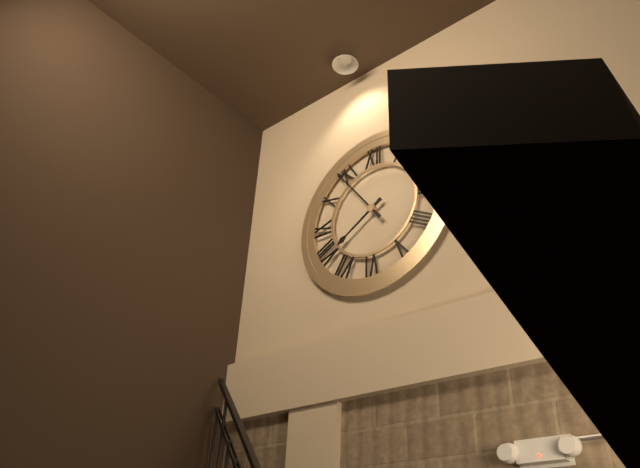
7:54
